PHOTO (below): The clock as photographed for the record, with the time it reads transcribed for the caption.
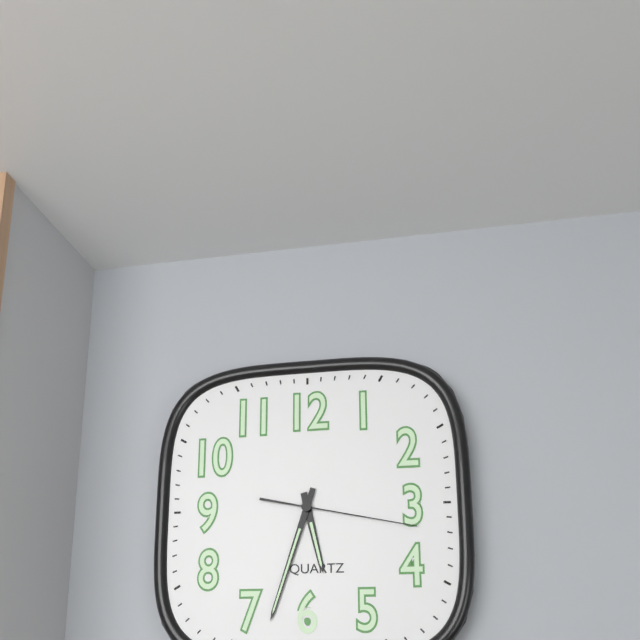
5:33:17
